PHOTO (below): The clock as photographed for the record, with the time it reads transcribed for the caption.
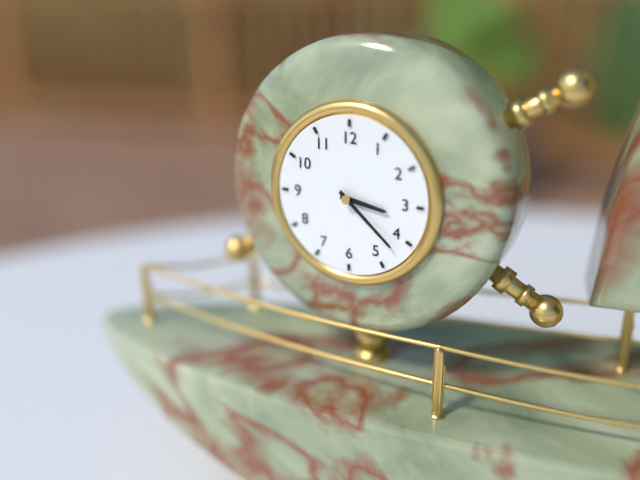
3:22
